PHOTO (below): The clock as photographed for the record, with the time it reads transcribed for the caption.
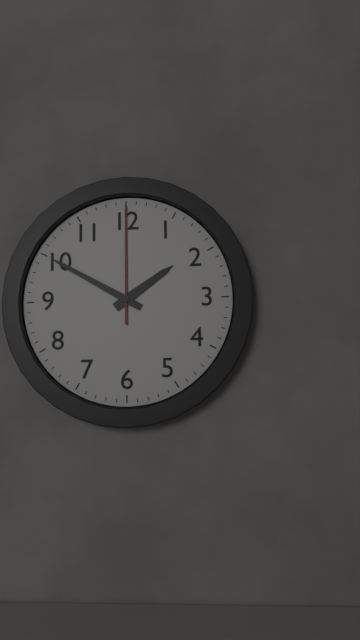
1:50:00
